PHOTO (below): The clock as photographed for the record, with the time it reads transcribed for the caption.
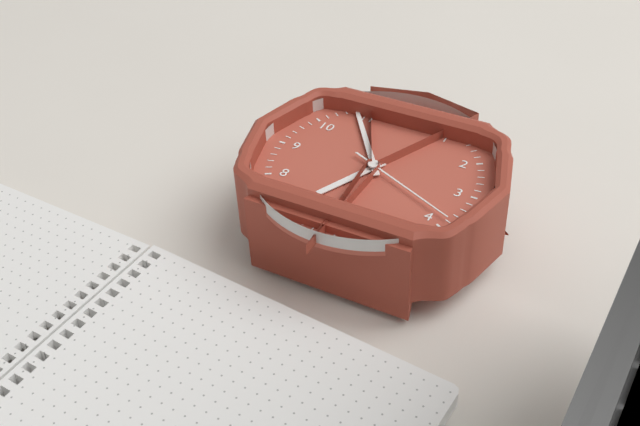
6:54:19
